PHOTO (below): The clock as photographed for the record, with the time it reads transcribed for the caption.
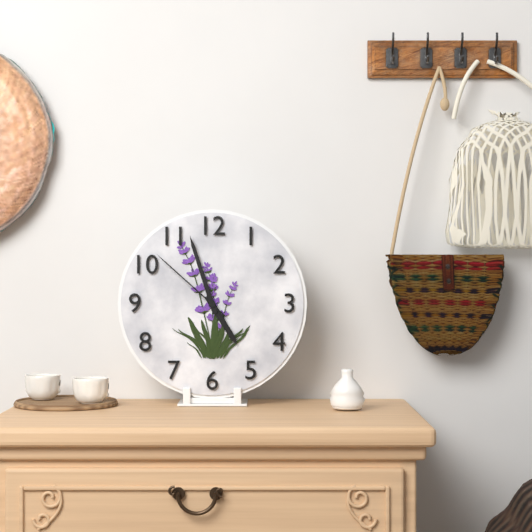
4:57:52
